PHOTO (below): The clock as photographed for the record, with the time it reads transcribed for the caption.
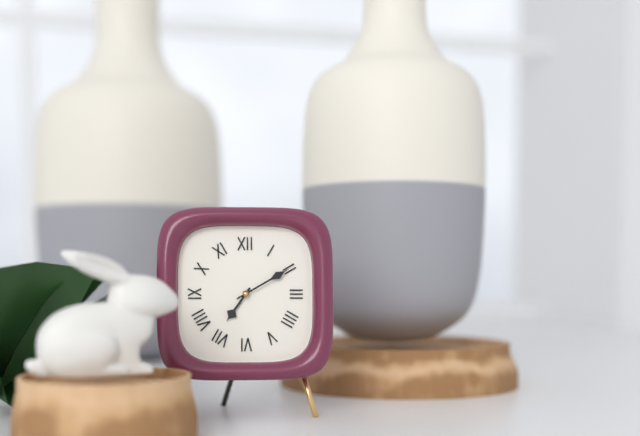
7:10
